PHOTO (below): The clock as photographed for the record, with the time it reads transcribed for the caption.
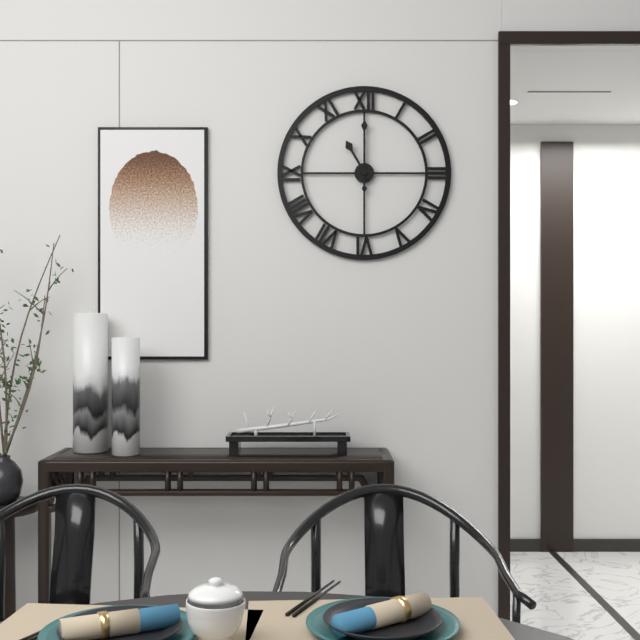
11:00
